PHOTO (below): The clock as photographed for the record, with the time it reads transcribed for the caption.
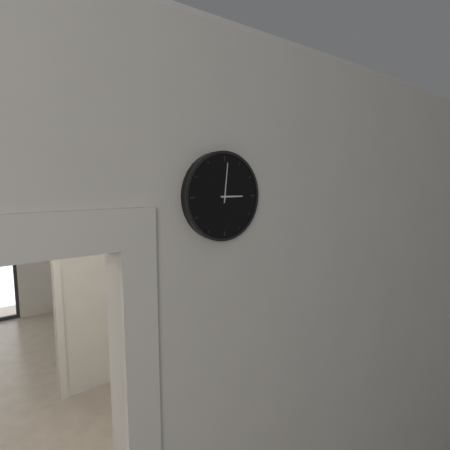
3:01
